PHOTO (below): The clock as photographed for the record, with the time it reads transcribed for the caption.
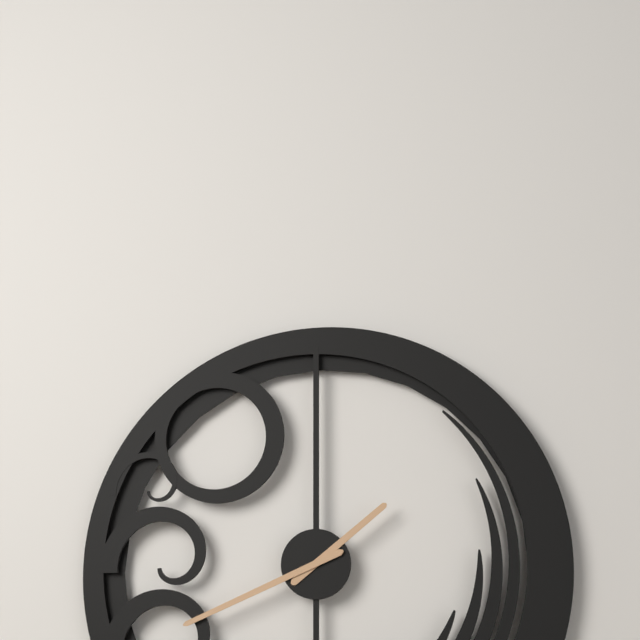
1:41
